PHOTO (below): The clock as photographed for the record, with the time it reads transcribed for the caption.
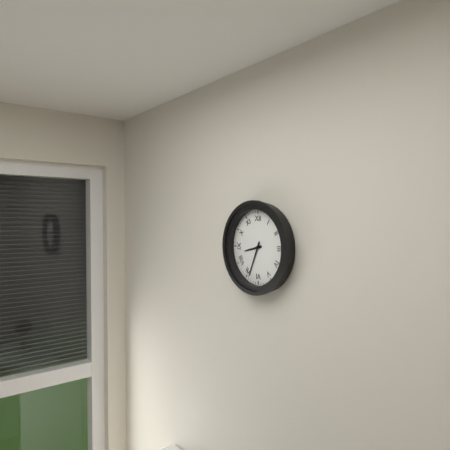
8:34
